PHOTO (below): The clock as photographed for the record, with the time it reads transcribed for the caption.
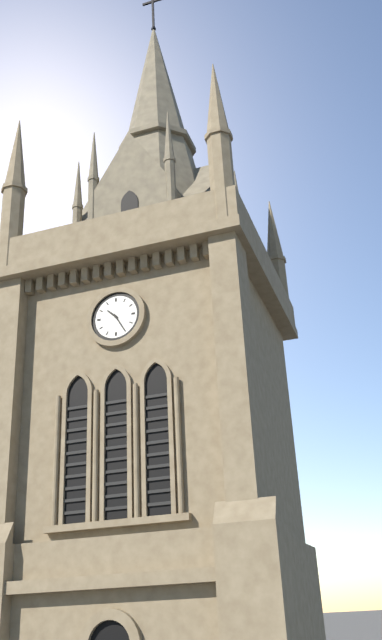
10:25
